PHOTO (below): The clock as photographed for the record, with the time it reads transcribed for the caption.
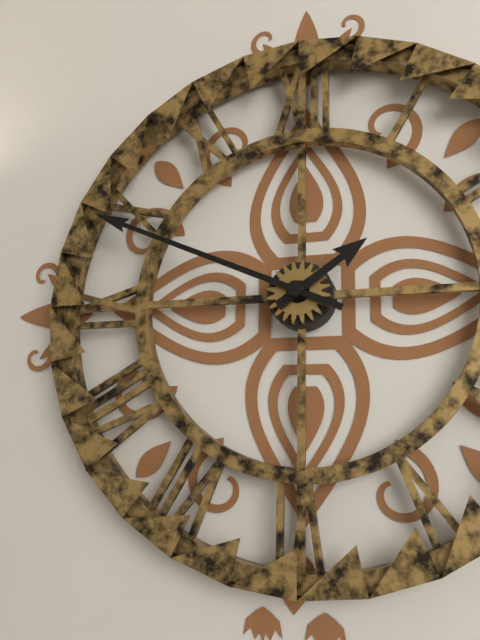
1:49
